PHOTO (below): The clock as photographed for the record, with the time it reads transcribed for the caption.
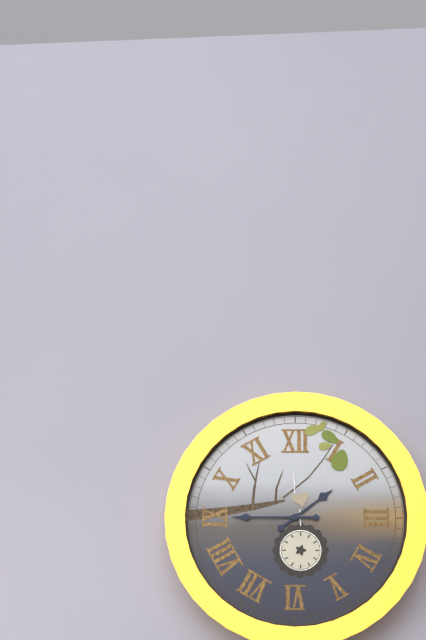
1:45
